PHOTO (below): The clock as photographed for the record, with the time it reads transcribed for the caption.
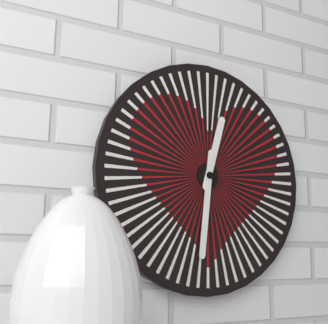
12:31
